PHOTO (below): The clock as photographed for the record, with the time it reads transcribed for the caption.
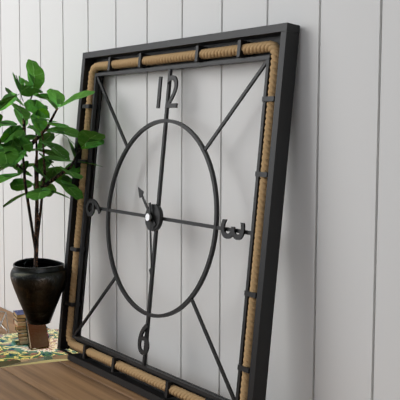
10:28
